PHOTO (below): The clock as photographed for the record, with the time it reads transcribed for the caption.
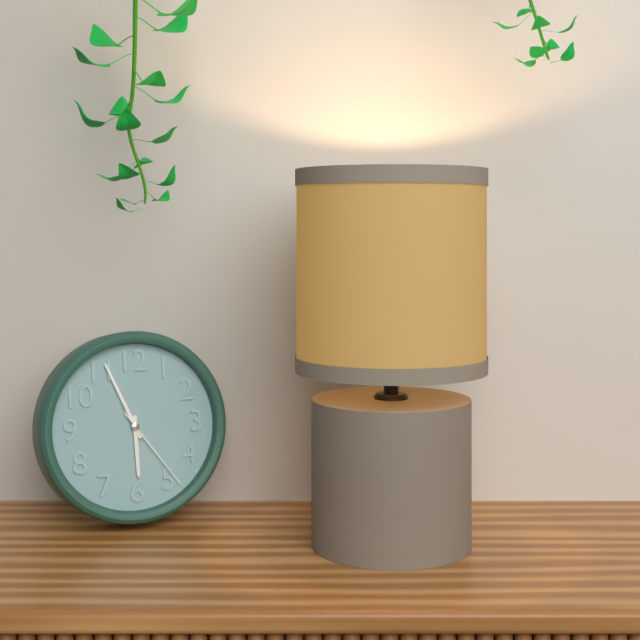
5:56:24
